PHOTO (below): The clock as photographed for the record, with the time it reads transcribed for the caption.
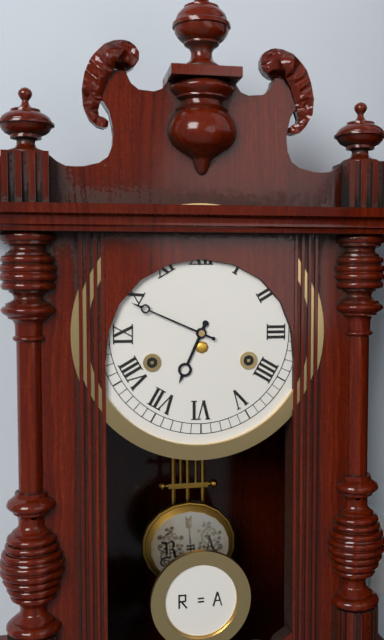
6:49
